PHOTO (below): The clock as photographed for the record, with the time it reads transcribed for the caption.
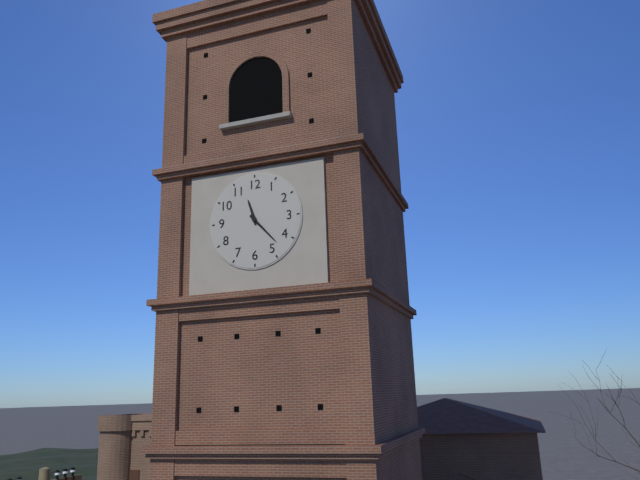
11:23
